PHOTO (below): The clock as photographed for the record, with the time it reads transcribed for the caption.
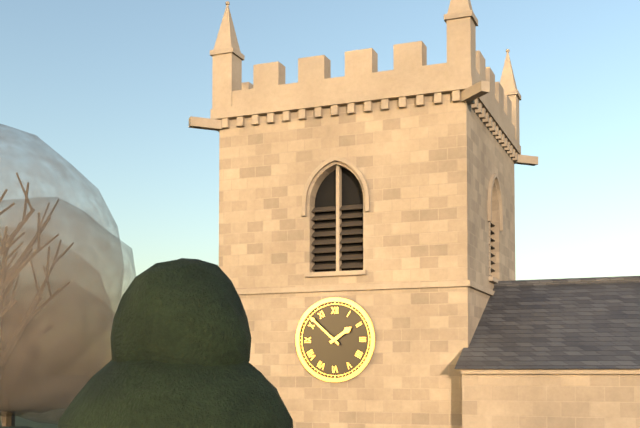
1:52
